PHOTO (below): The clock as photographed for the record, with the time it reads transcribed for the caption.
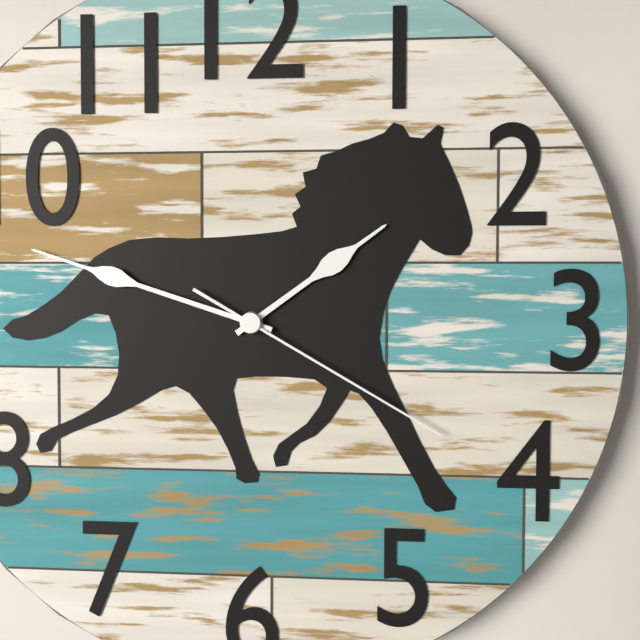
1:48:20
